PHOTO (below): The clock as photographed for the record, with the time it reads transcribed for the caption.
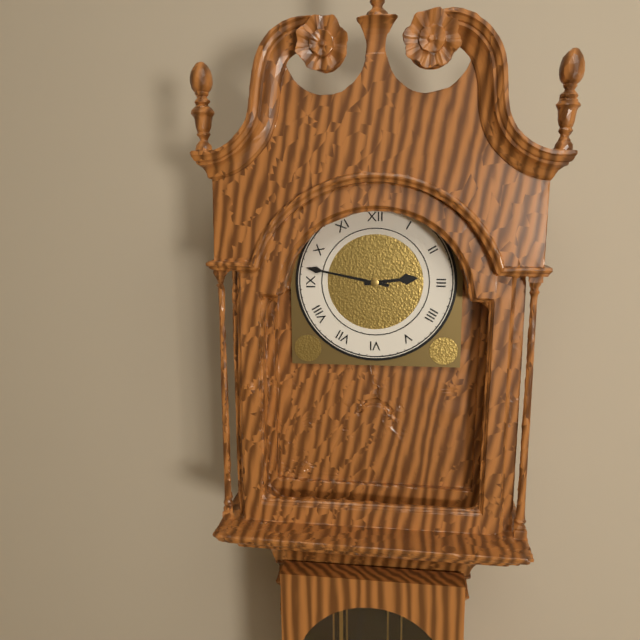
2:47
